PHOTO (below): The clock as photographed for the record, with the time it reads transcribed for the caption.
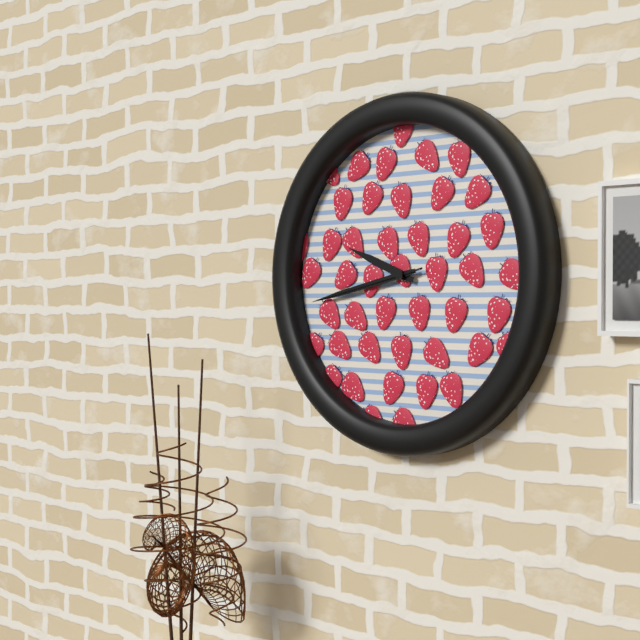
9:43:43
